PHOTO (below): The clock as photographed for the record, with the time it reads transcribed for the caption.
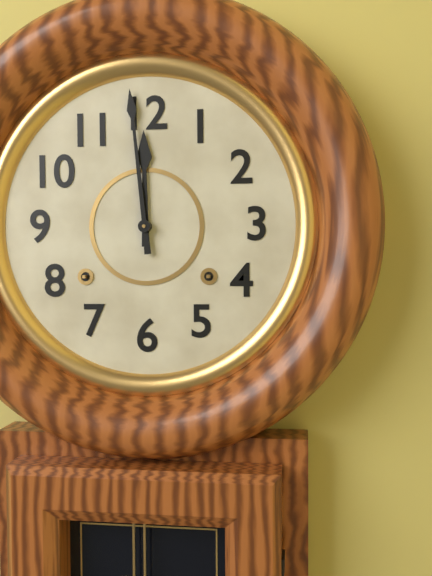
11:59
